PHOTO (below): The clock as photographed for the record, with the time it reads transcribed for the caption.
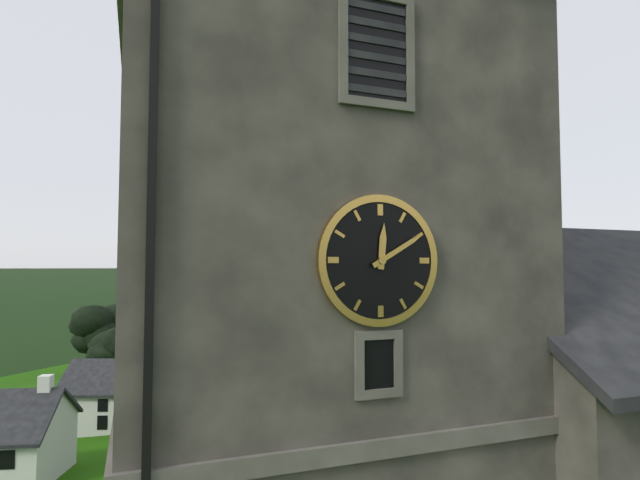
12:10
